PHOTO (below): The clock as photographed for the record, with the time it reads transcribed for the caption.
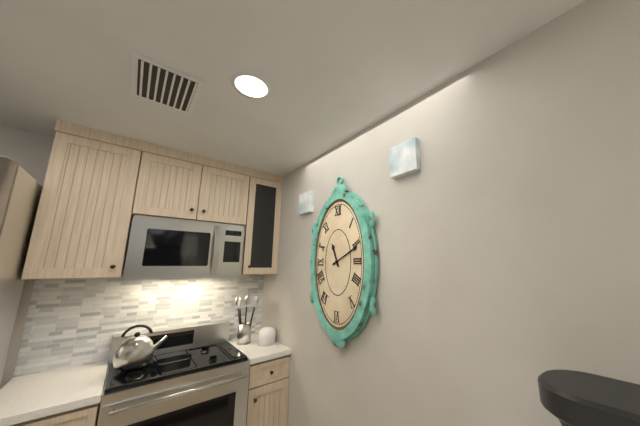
11:11
